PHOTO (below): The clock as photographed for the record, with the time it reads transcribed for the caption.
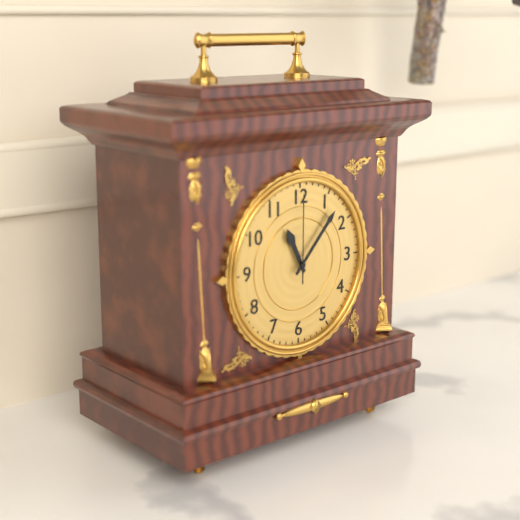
11:07:00
